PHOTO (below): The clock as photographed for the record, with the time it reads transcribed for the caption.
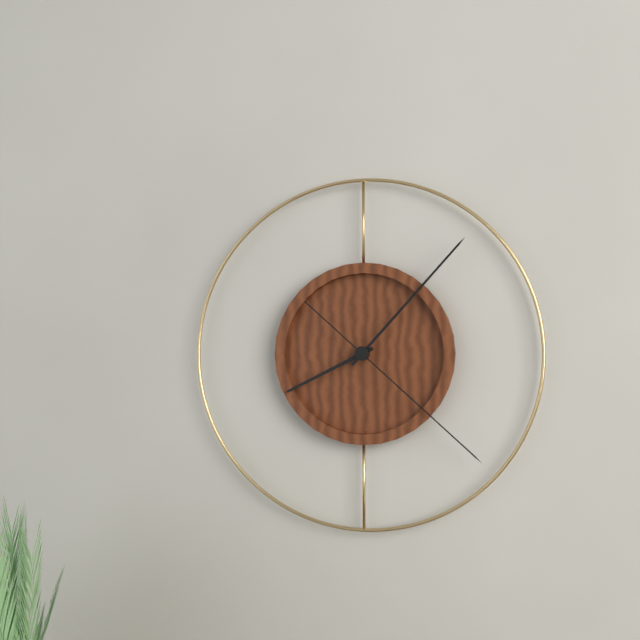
8:07:22
